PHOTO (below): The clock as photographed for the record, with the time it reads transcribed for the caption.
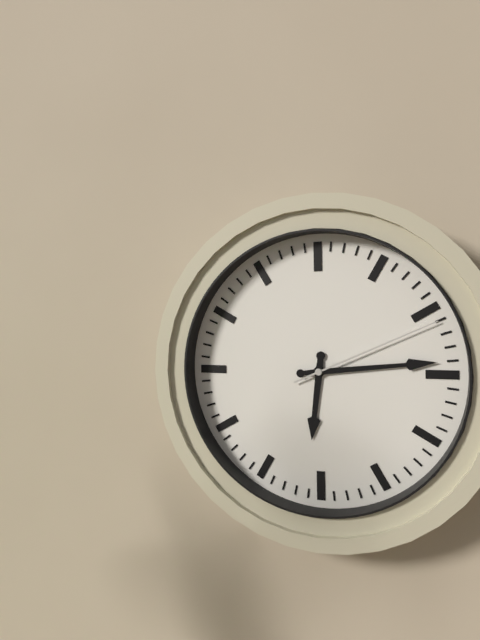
6:14:11
